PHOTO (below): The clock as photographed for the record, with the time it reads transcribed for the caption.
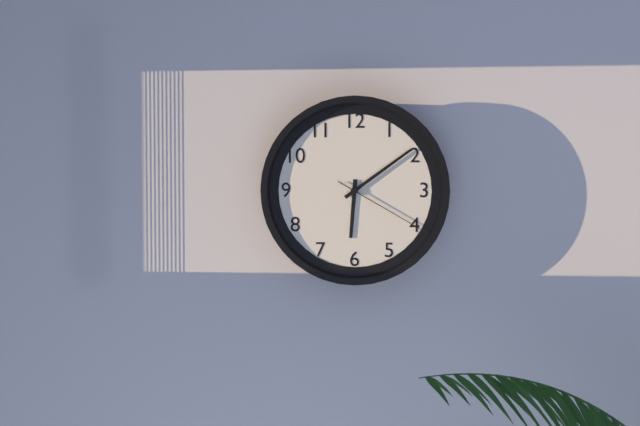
6:09:20
